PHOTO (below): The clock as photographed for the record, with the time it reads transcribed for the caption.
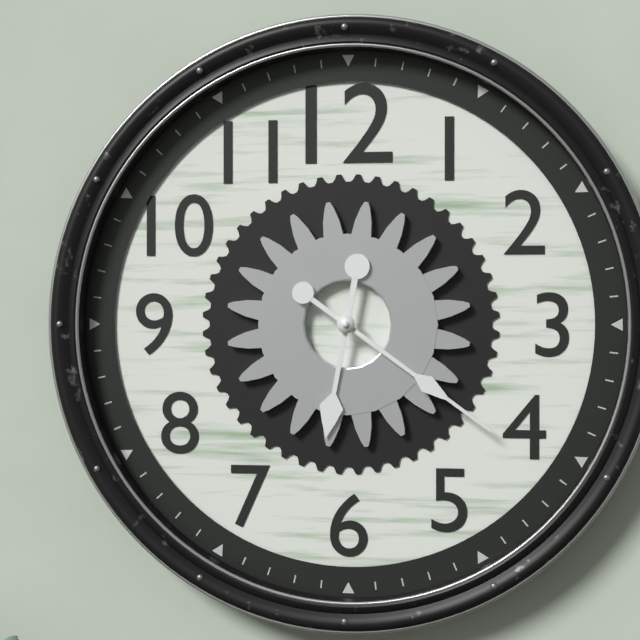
6:21
